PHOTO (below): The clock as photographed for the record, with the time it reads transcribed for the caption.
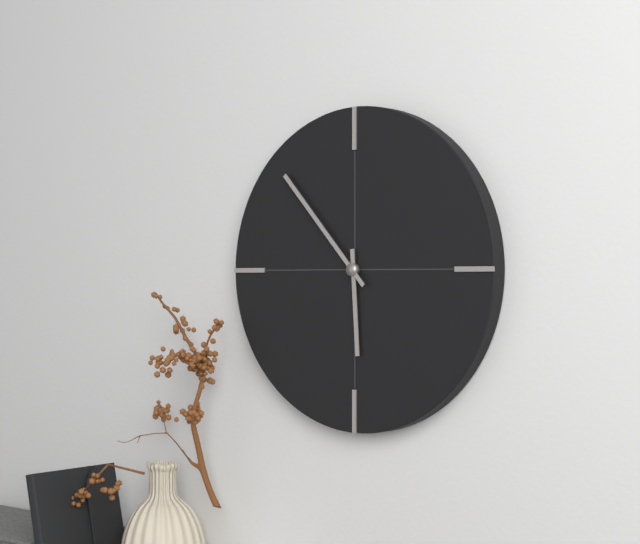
5:53
